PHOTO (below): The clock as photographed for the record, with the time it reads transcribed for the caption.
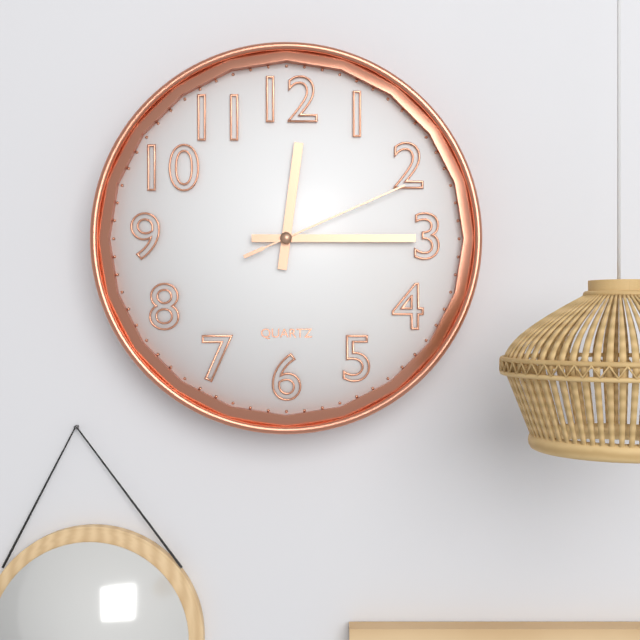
12:15:11
